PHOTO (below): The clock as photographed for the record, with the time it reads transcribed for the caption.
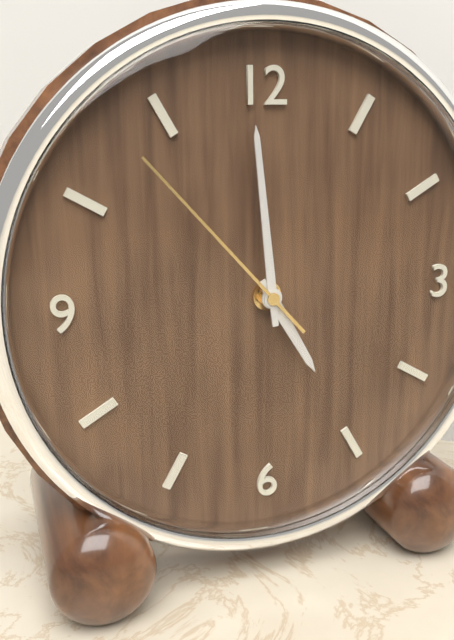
4:59:53
